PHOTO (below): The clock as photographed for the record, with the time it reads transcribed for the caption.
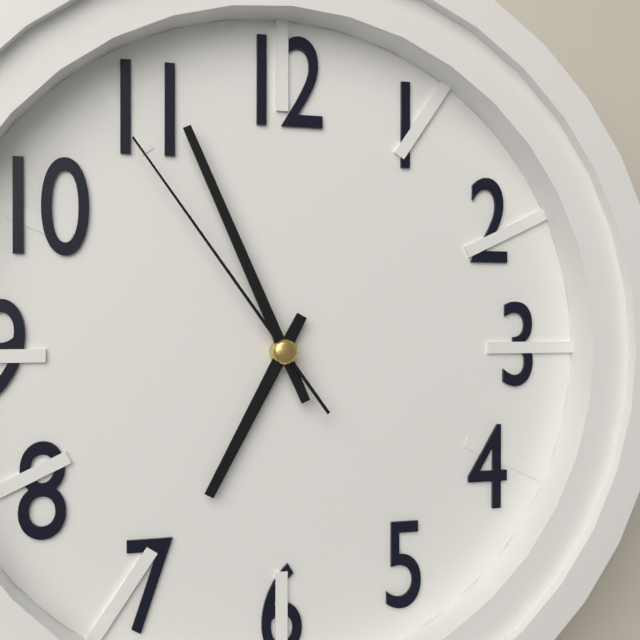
6:56:54
